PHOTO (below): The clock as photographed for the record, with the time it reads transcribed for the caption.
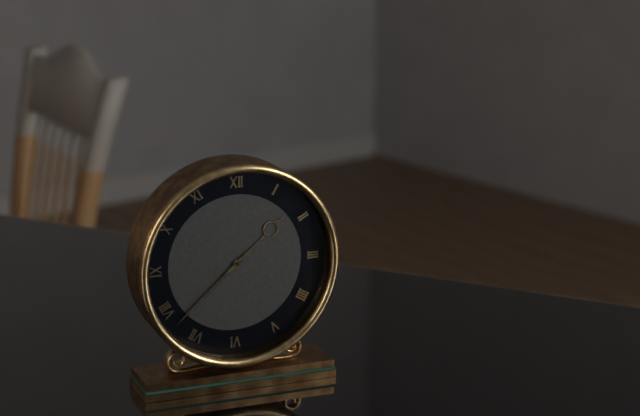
1:38
